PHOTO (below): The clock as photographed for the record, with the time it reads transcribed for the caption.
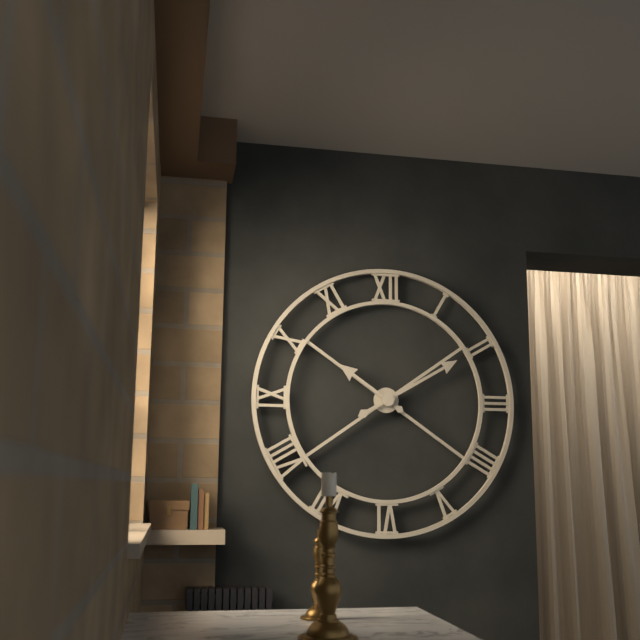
10:10
